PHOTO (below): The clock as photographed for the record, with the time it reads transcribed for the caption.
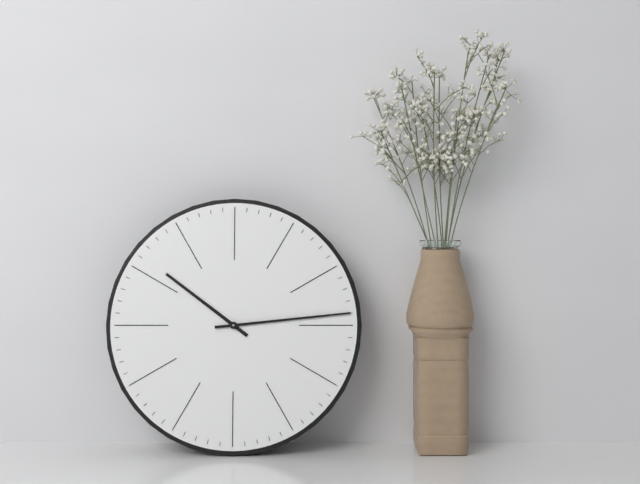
10:14
